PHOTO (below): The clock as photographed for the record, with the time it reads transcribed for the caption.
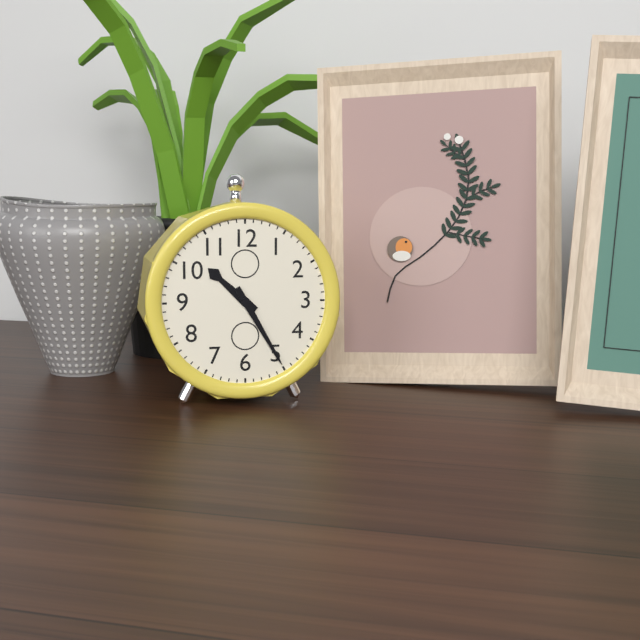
10:25
